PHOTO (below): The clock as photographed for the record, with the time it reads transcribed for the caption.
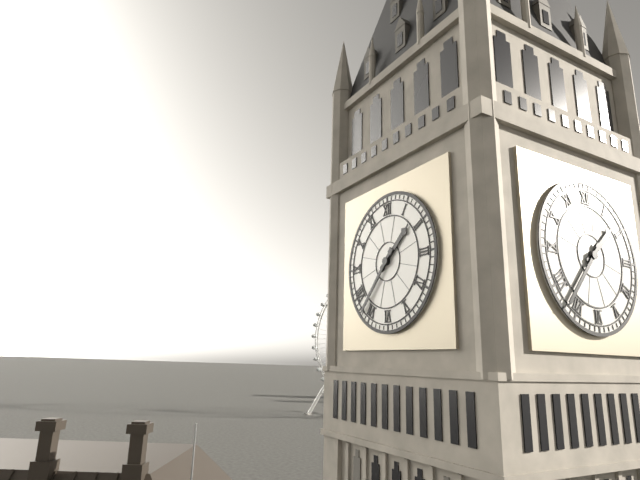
1:37
